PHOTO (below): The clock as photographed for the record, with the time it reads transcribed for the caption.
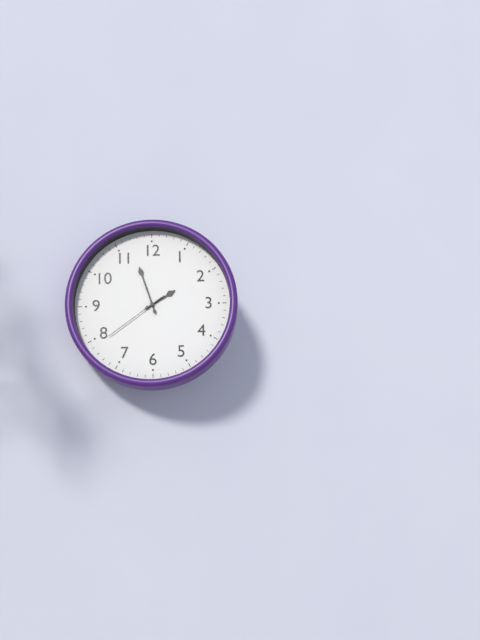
1:57:39
